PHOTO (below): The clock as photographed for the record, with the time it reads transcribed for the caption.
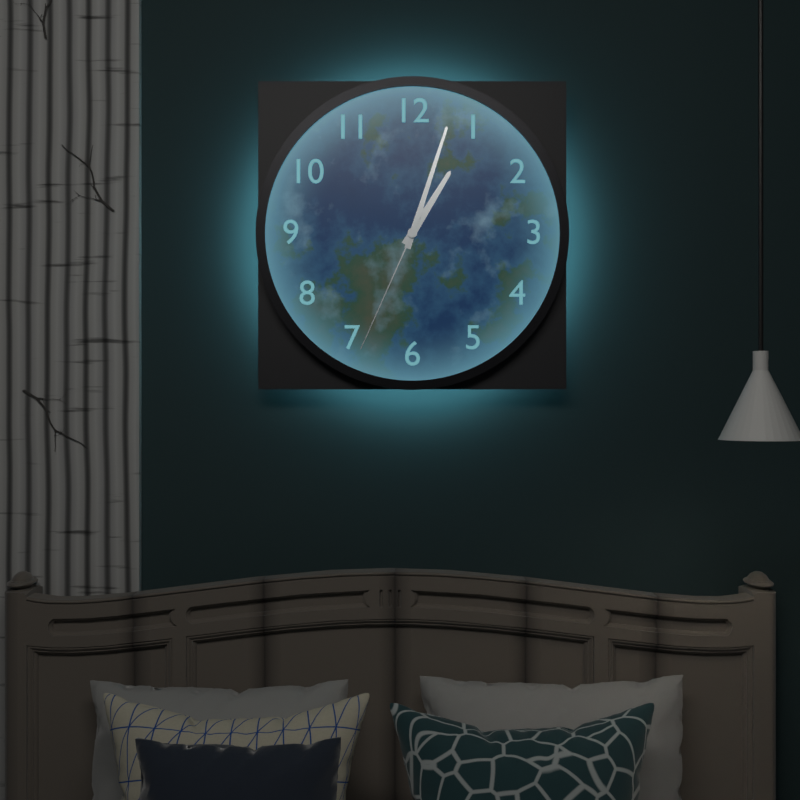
1:03:34
